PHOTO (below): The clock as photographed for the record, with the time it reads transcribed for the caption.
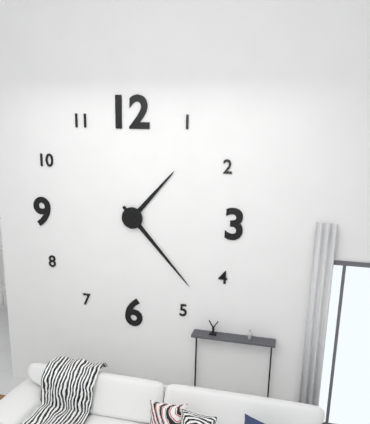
1:23
